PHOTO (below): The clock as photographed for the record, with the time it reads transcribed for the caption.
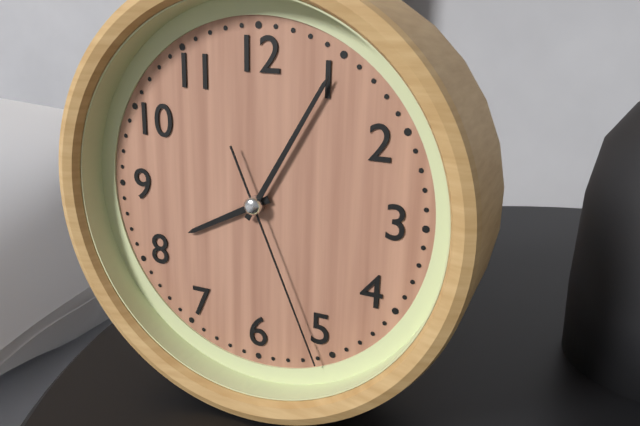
8:05:26
